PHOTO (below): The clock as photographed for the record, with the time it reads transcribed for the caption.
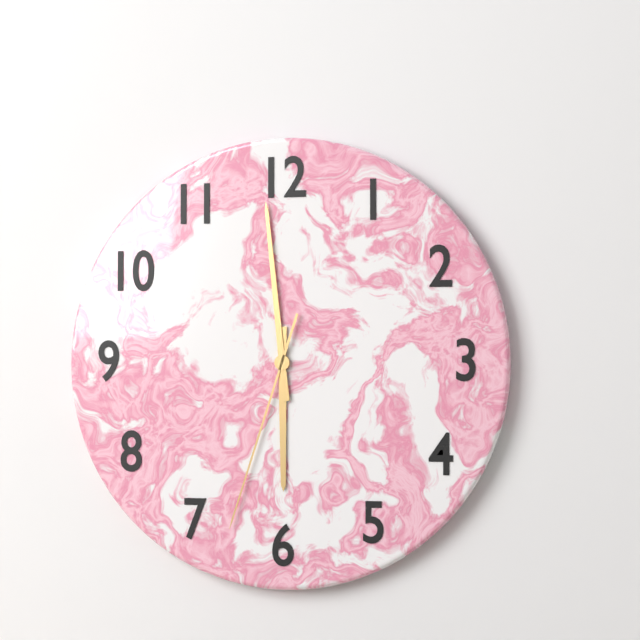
5:59:33
